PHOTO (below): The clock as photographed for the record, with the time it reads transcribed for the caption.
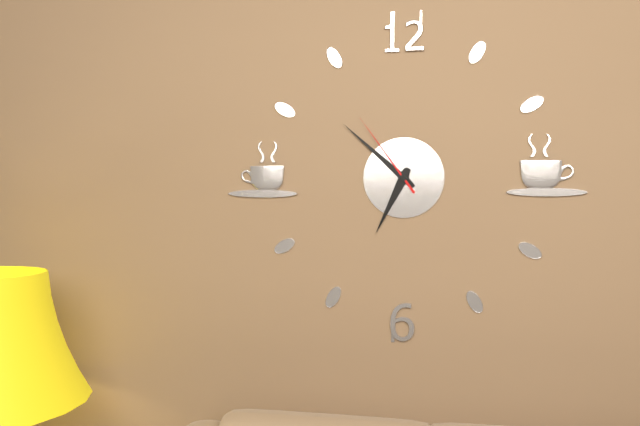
6:52:54
